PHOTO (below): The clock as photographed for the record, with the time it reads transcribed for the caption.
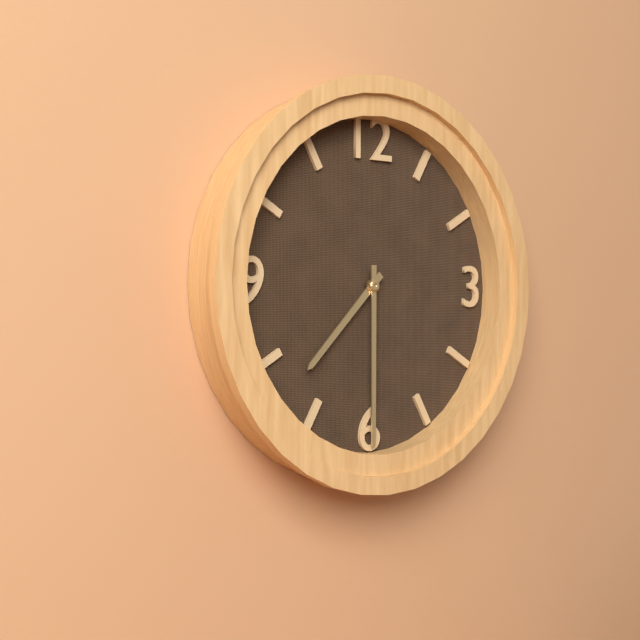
7:30
